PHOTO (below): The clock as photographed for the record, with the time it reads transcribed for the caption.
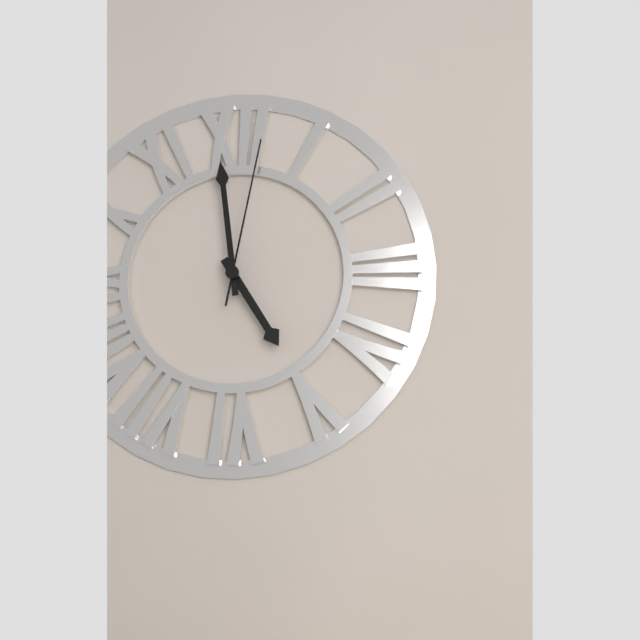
4:59:02
